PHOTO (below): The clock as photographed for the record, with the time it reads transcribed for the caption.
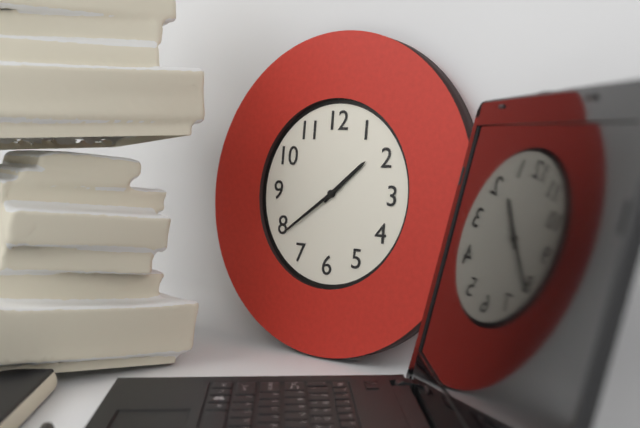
1:39
